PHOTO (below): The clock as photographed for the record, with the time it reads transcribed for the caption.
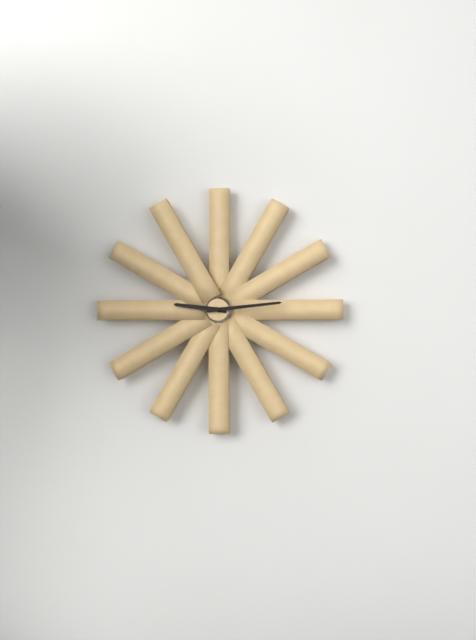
9:14
